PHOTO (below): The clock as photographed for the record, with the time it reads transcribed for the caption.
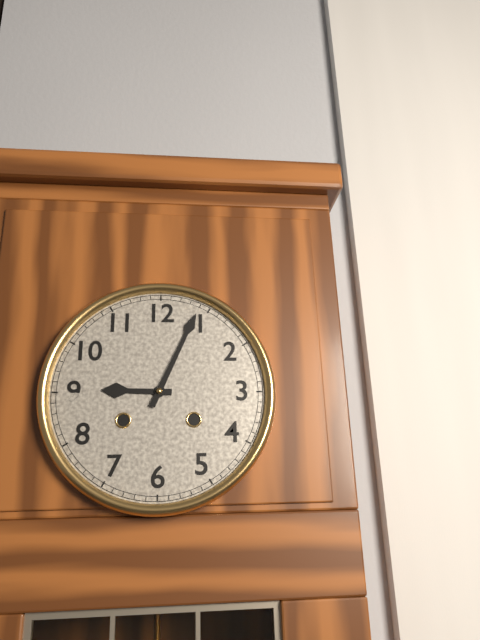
9:04
